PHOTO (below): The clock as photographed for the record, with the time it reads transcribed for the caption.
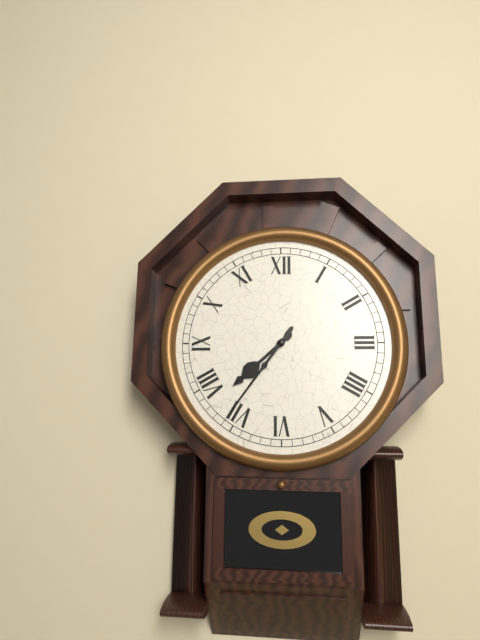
7:36
